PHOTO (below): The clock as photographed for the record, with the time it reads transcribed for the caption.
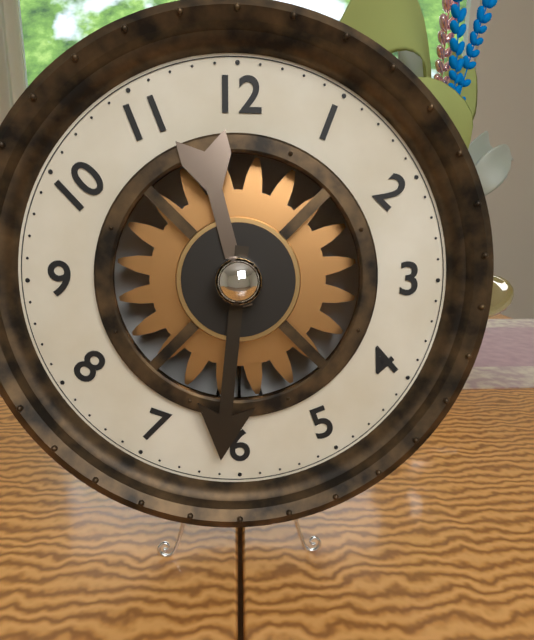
11:31
